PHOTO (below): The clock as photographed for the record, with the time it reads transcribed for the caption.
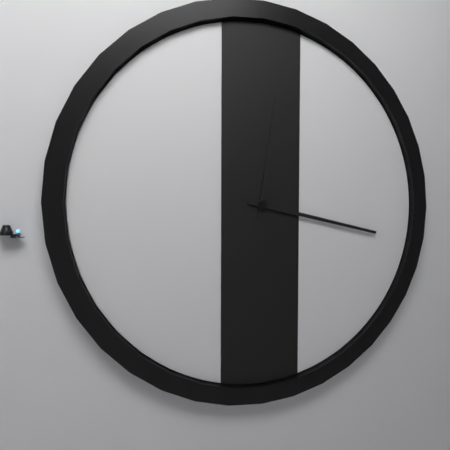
12:17
